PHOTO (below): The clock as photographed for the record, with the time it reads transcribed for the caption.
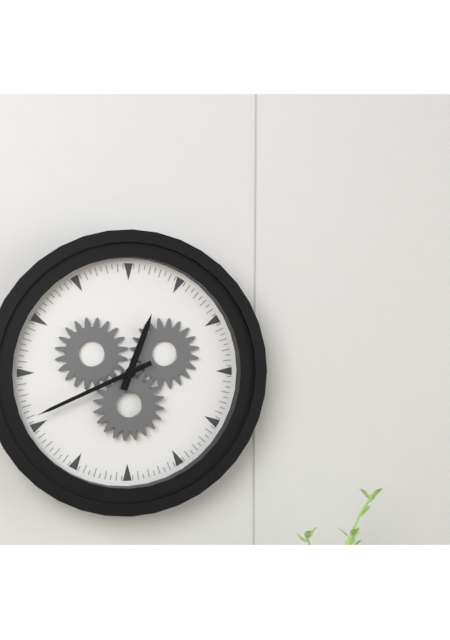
12:41
